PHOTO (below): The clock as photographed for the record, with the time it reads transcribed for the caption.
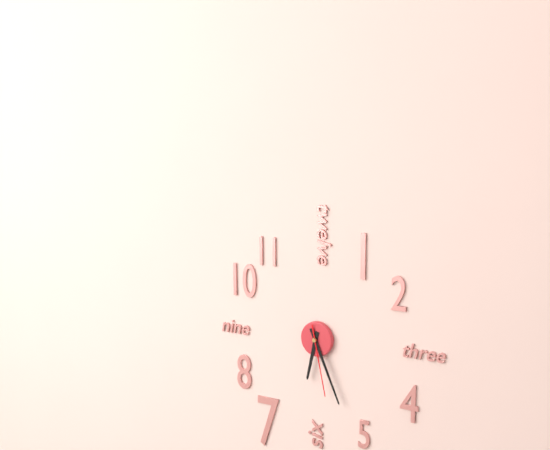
6:26:28
